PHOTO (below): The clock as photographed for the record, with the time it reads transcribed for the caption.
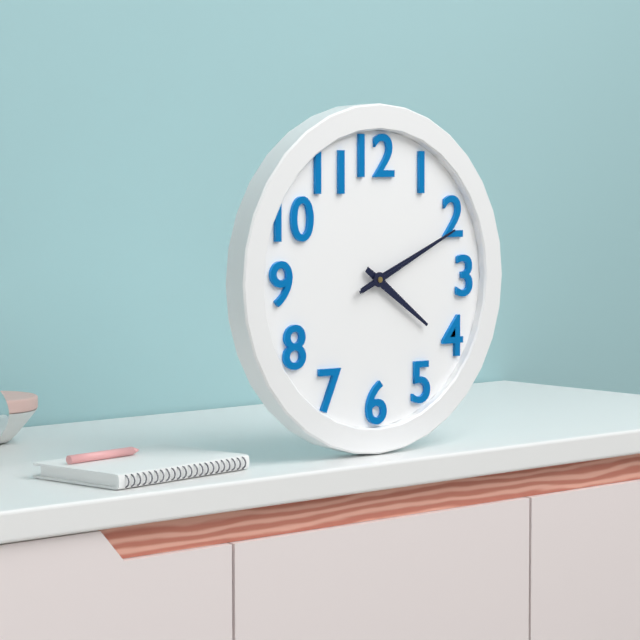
4:11:11
